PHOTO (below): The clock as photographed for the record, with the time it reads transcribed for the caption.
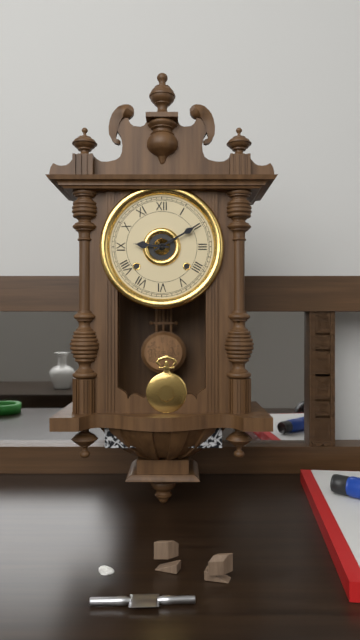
9:10
